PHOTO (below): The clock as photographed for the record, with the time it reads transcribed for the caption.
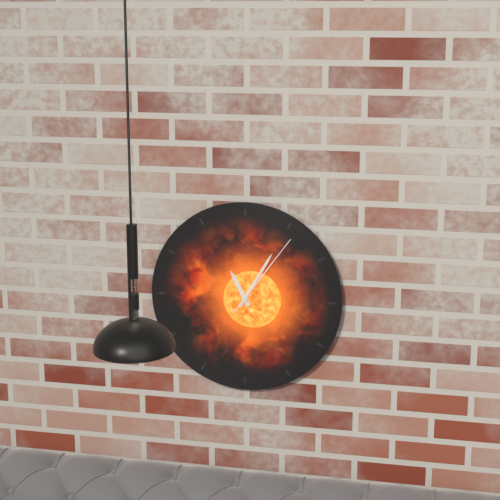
11:05:06
